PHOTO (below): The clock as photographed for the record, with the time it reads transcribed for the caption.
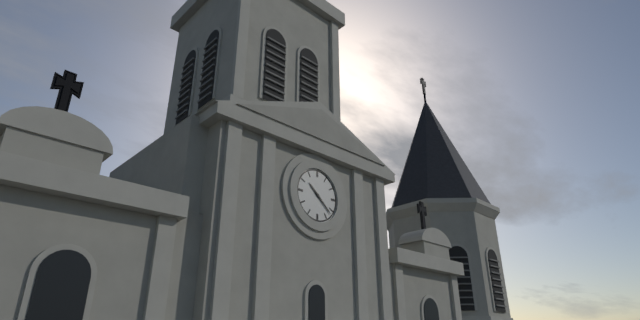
10:22
